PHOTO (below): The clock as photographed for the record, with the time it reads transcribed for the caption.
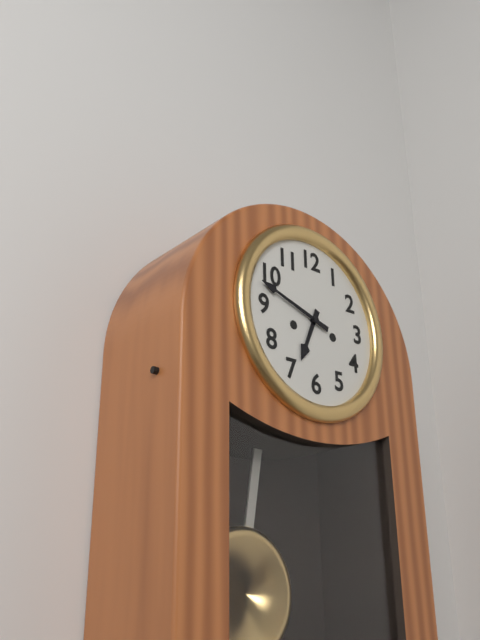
6:48
